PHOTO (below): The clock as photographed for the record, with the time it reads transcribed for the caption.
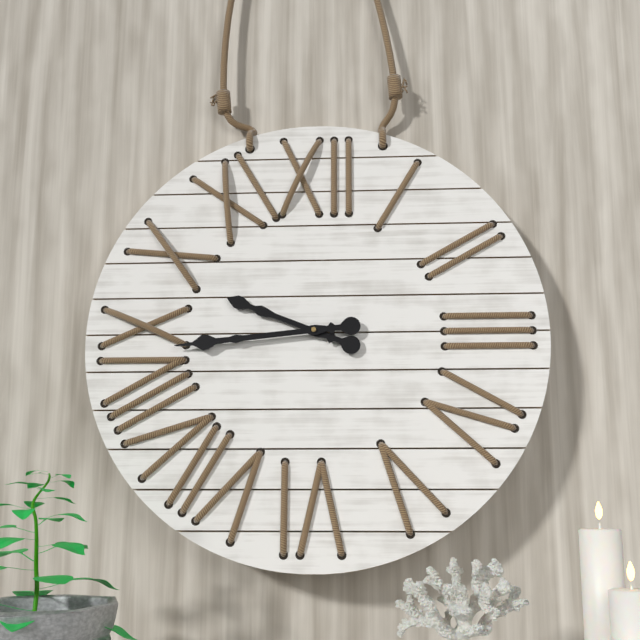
9:44
